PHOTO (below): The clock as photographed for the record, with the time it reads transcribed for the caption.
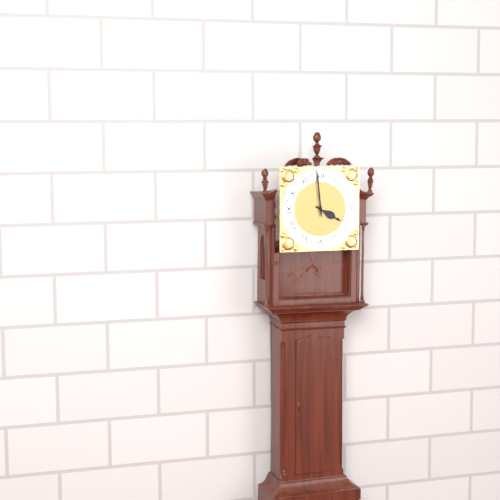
3:59
